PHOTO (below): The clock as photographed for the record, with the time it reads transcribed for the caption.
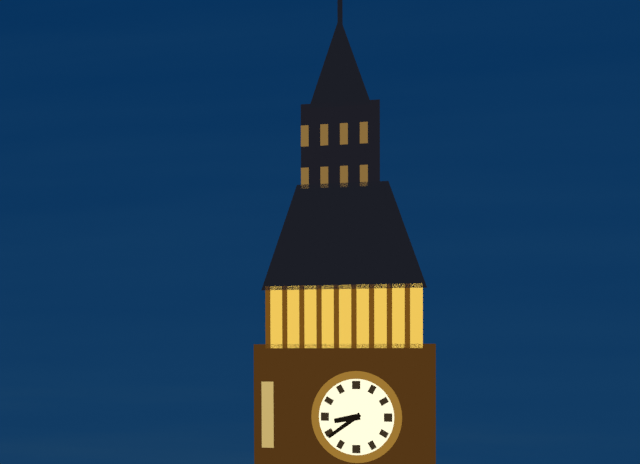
8:39
